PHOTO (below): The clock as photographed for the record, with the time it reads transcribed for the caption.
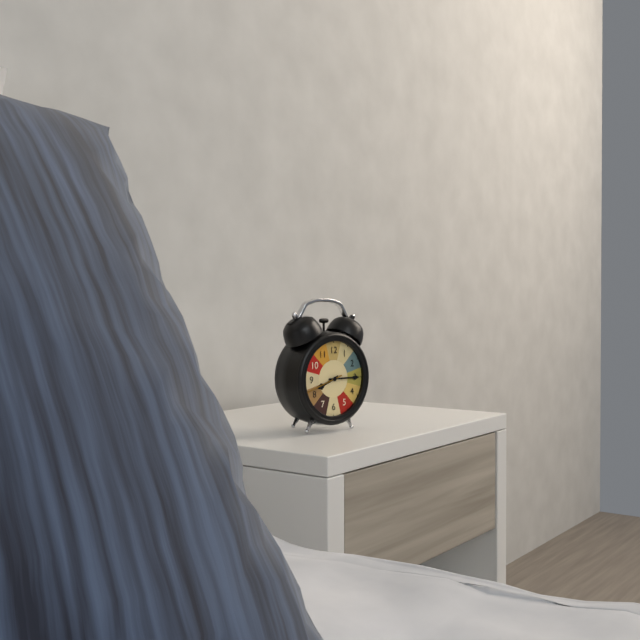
8:15
